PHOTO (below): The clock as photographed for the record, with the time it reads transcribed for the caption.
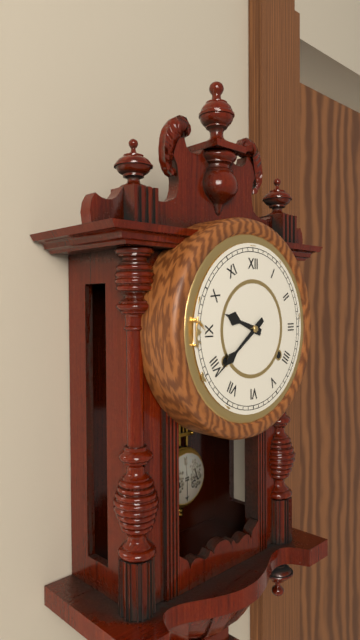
9:39
